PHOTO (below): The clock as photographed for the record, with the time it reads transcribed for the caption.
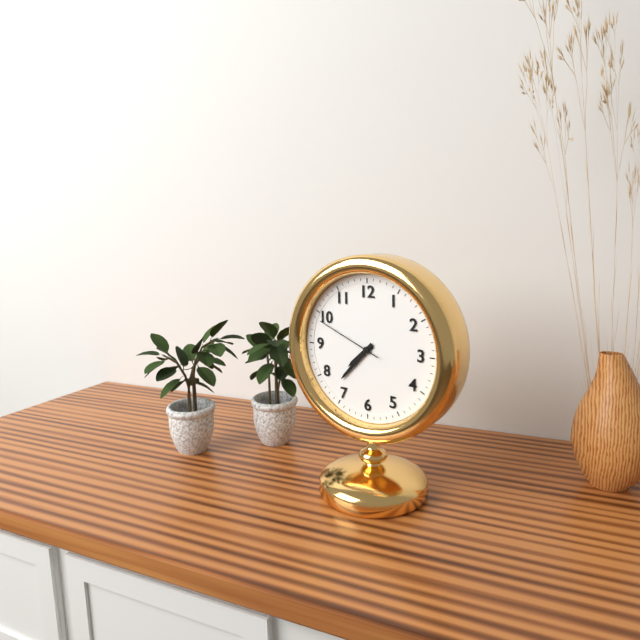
7:37:49
